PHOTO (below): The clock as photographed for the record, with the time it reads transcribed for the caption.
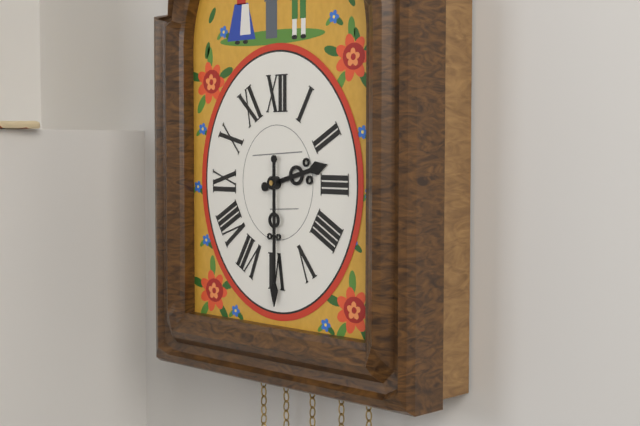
2:30
